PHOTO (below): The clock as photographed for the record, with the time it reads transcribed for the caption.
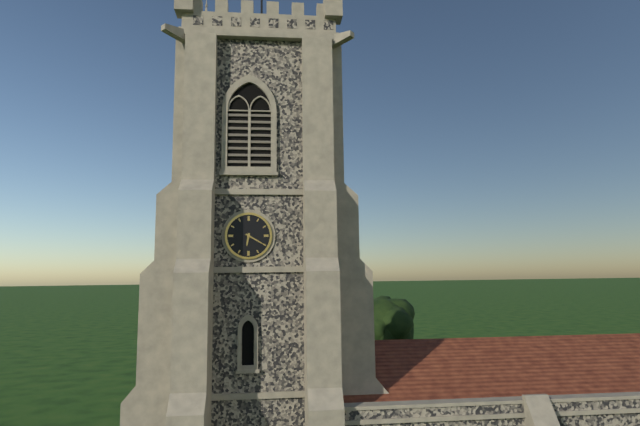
6:20
